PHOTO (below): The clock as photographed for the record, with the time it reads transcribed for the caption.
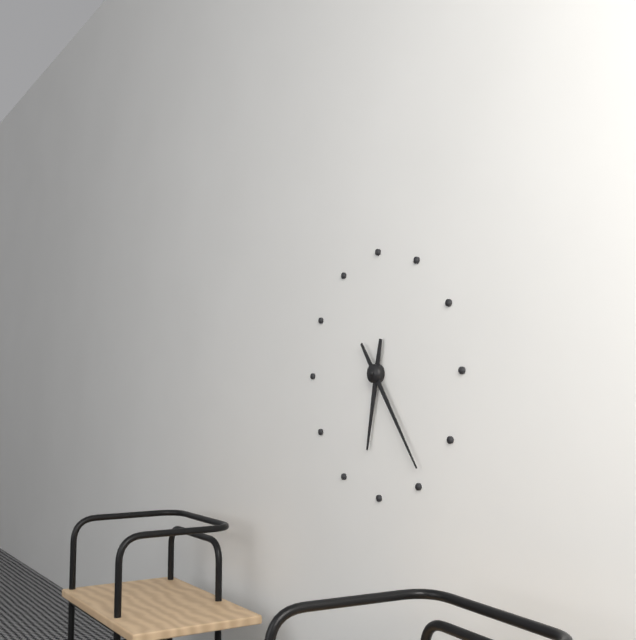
6:24
